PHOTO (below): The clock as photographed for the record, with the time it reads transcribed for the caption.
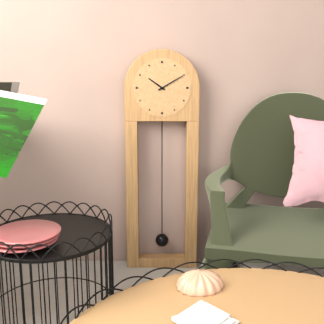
10:10
